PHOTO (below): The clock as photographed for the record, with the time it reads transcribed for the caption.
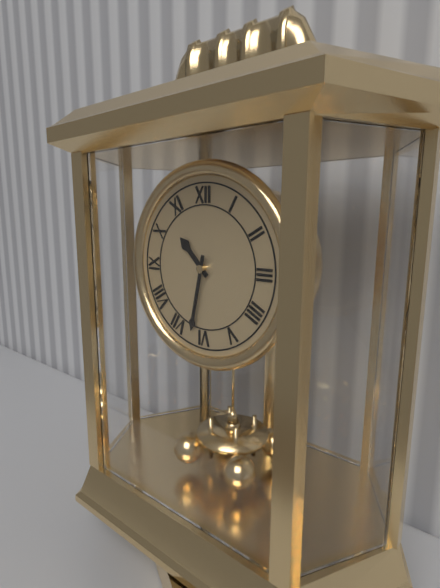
10:32
